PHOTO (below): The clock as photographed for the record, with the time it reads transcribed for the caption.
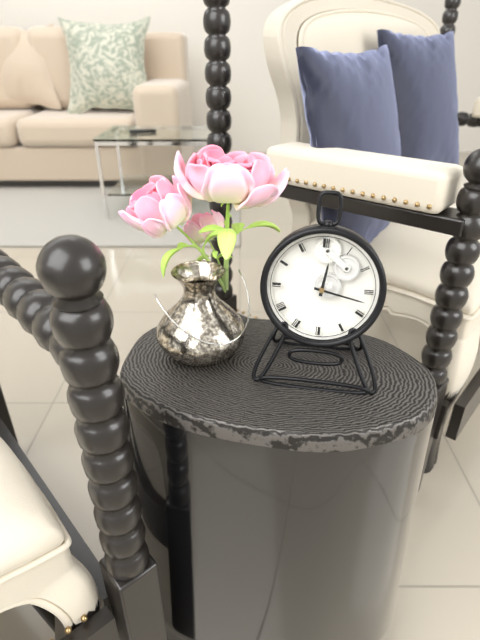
12:17
